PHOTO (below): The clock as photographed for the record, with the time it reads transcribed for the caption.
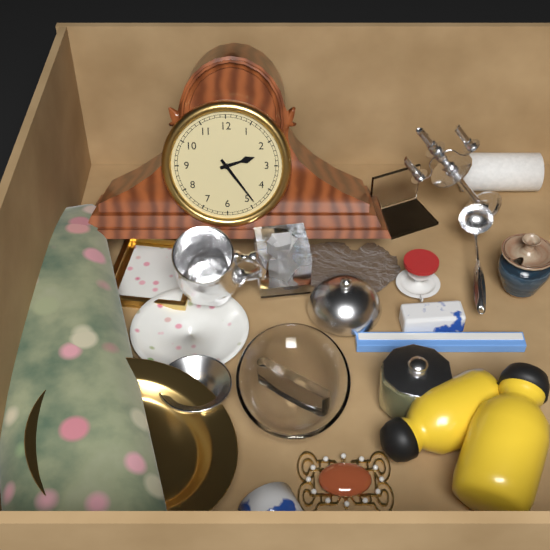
2:24
